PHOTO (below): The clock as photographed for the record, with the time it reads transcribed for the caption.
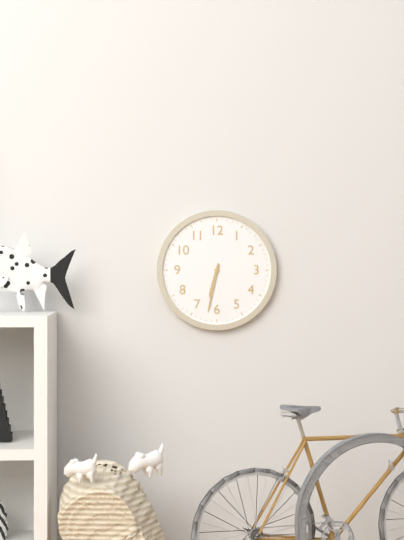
6:32
